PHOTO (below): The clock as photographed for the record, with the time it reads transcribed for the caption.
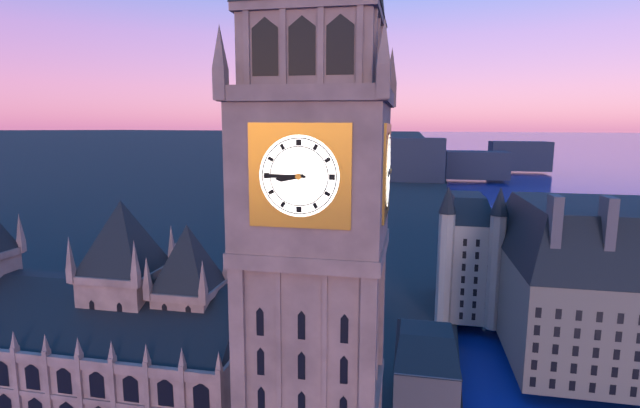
8:45
